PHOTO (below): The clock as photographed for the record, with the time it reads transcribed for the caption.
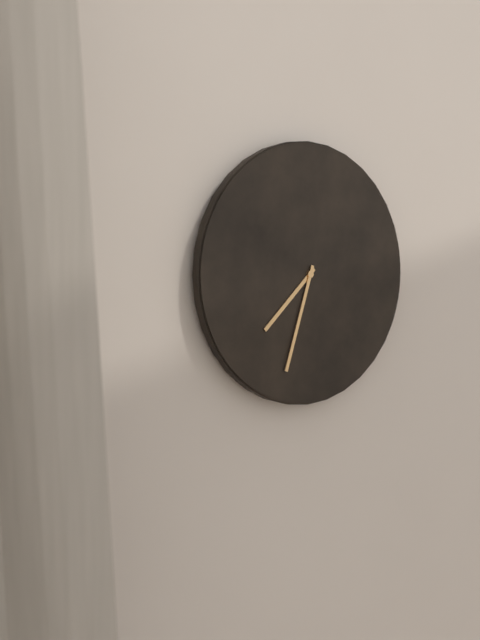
7:33
